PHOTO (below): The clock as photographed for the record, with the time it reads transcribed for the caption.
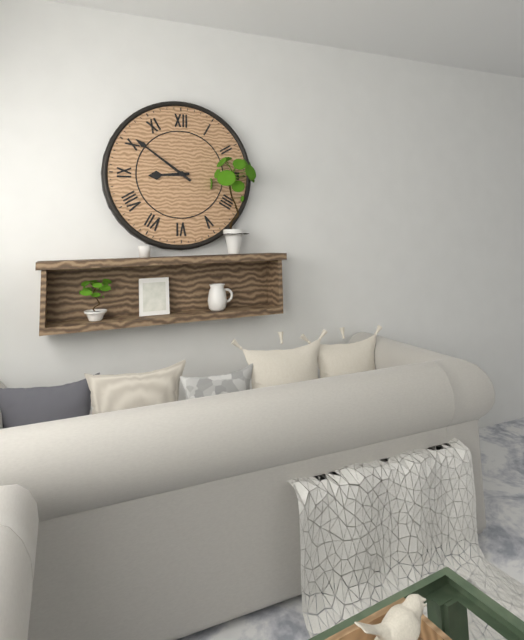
8:51
